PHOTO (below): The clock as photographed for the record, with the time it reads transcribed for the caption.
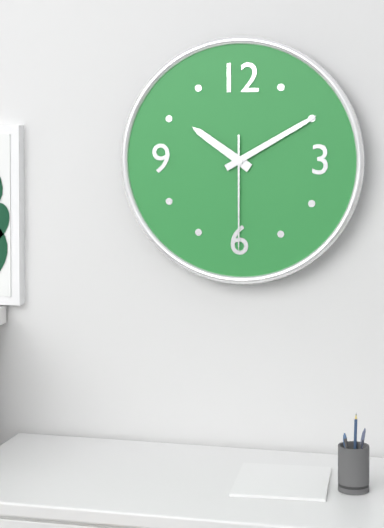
10:10:30
